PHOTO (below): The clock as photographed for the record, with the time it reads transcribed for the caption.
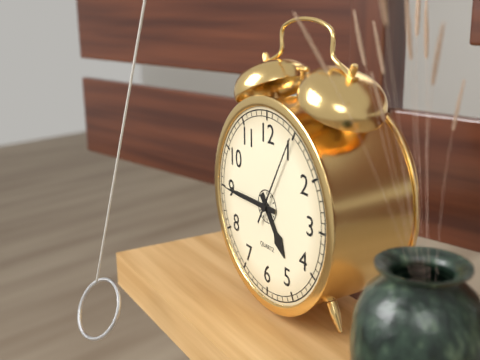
4:45:05
